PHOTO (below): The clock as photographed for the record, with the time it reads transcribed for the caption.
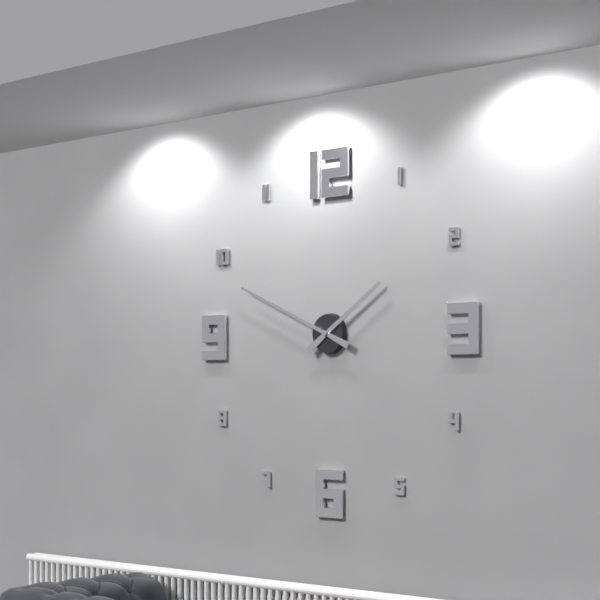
1:49
